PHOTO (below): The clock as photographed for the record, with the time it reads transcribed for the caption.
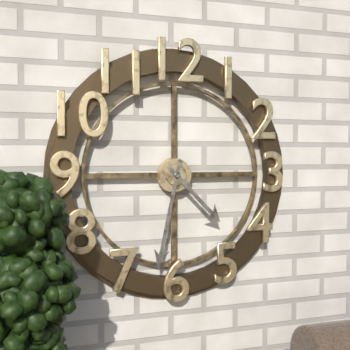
4:32
